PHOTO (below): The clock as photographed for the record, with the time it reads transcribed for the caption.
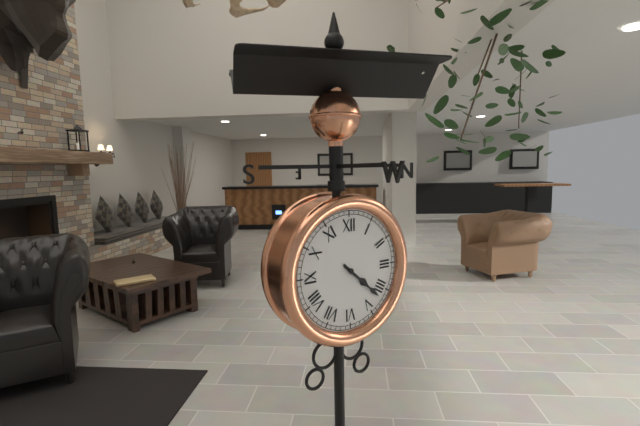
4:22
